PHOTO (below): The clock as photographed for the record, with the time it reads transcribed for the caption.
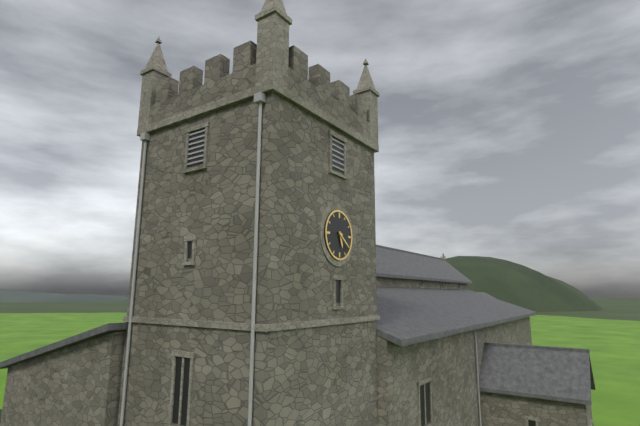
5:21
